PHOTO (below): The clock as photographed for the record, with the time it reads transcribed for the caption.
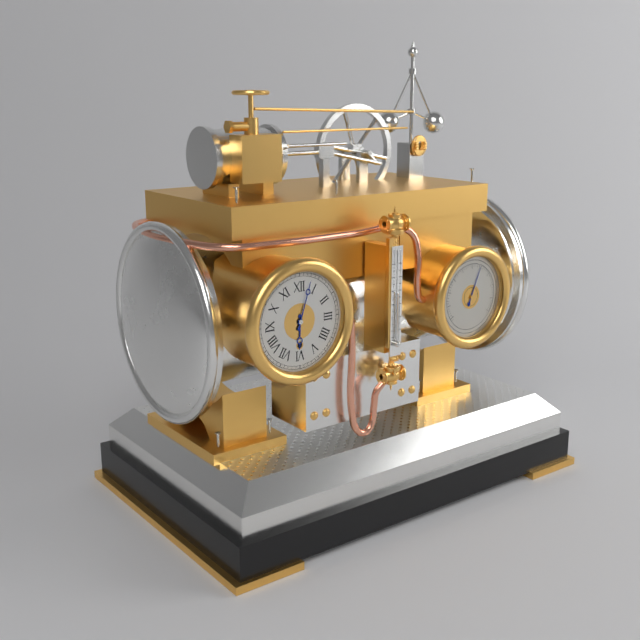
6:03
